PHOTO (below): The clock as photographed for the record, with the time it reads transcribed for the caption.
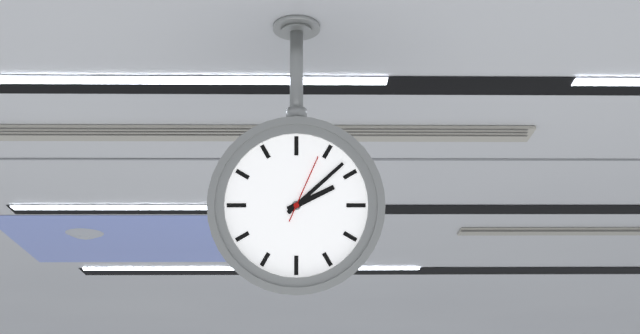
2:08:04
